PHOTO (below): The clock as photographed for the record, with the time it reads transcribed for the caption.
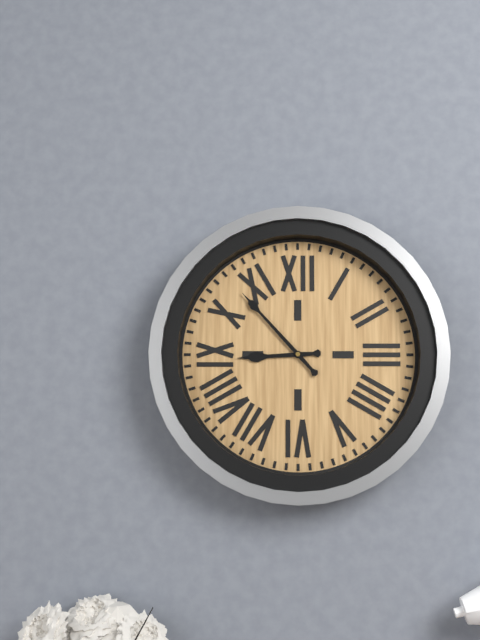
8:53
